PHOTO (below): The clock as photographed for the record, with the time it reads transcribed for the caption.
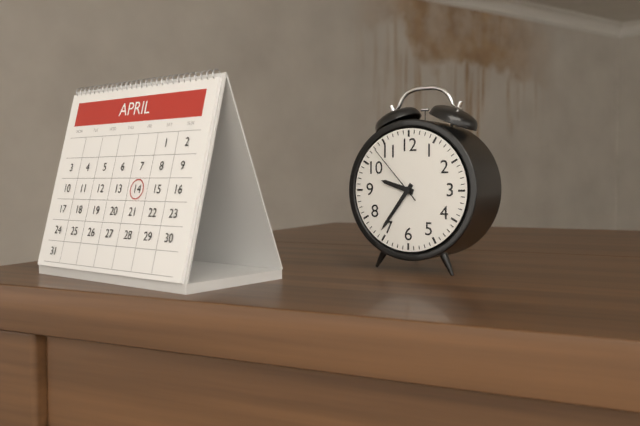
9:36:53
